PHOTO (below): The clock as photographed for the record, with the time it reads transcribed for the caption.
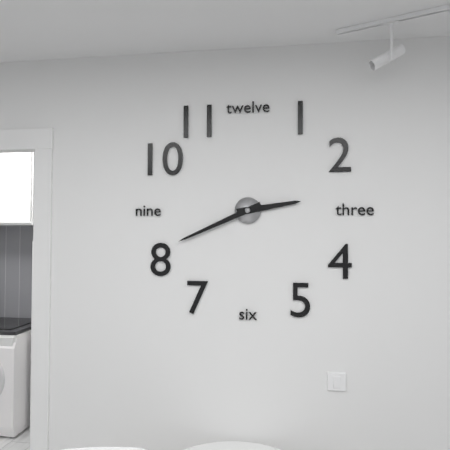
2:41
